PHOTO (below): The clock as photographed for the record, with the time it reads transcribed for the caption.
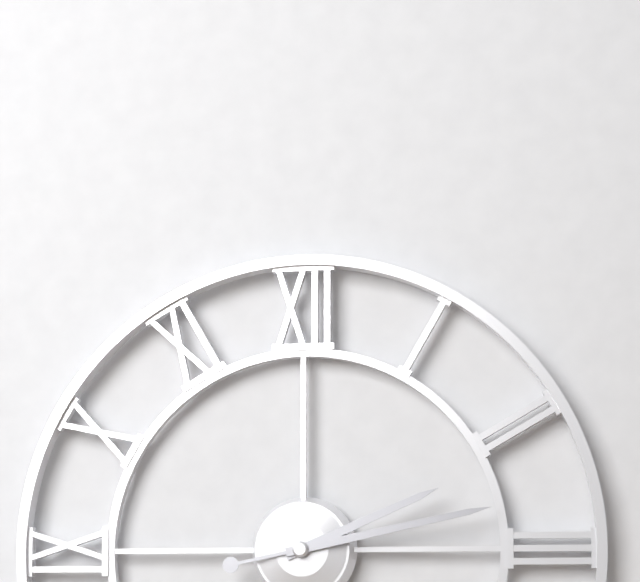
2:13
